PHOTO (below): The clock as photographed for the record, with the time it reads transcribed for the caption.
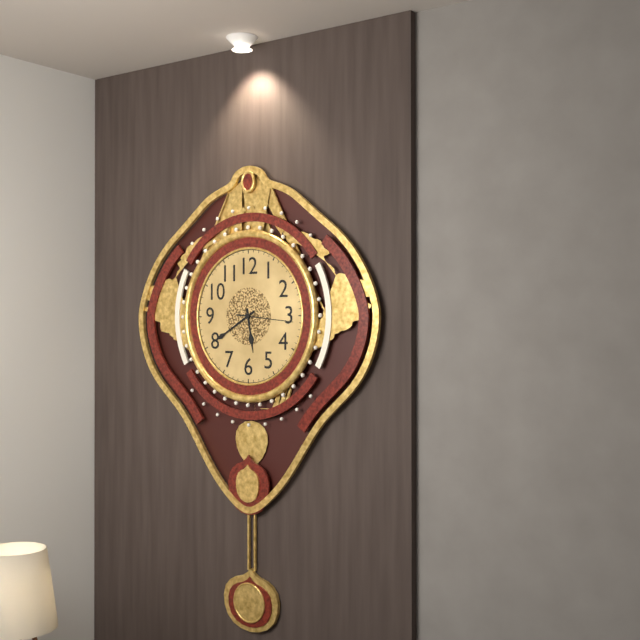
5:40
